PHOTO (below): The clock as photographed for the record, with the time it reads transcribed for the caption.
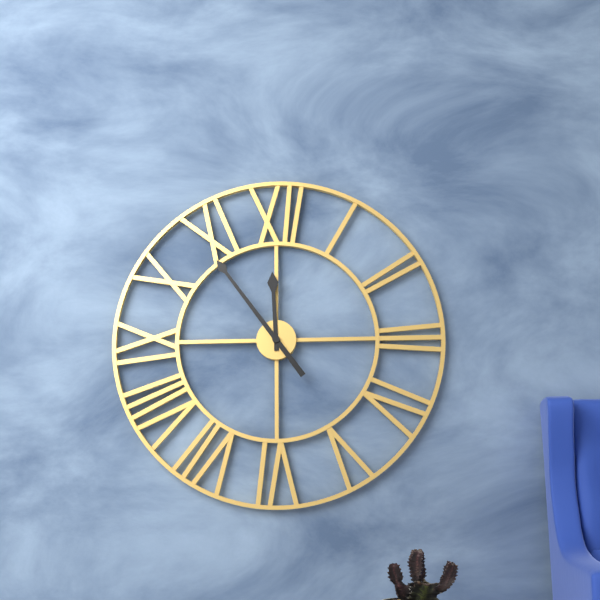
11:54
